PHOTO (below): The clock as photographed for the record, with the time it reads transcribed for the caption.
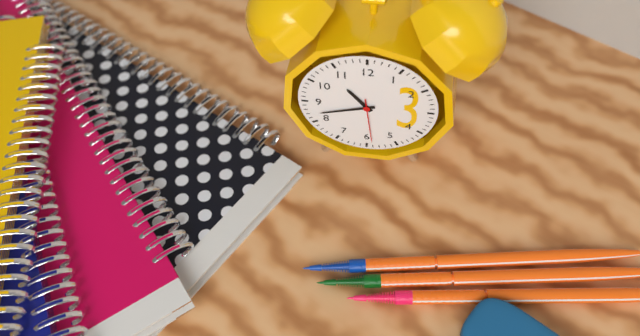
10:42
